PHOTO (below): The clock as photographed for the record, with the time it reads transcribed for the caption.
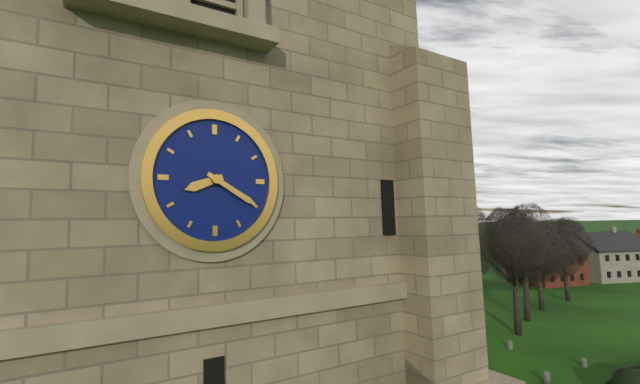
8:20
